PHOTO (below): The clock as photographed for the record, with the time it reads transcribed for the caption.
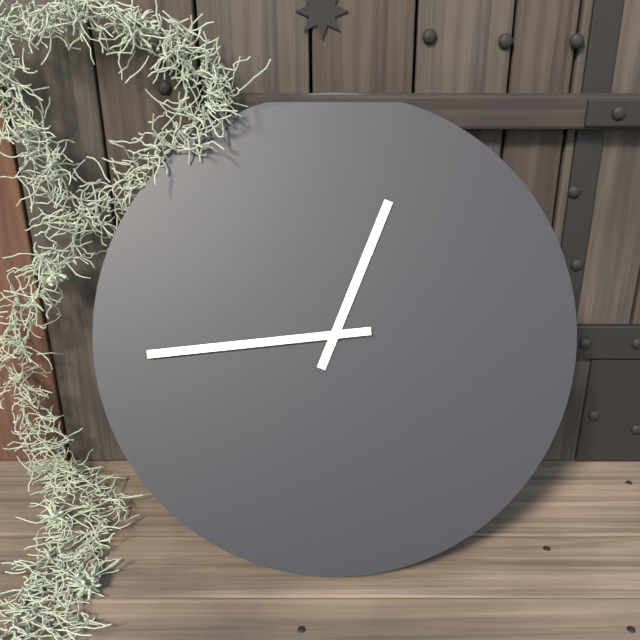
12:44
